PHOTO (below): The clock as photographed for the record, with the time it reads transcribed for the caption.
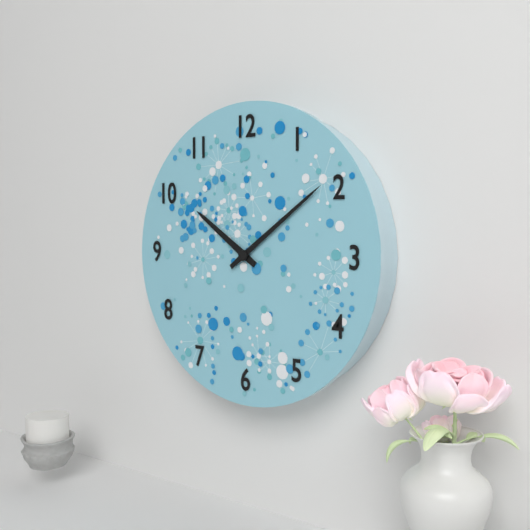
10:09
